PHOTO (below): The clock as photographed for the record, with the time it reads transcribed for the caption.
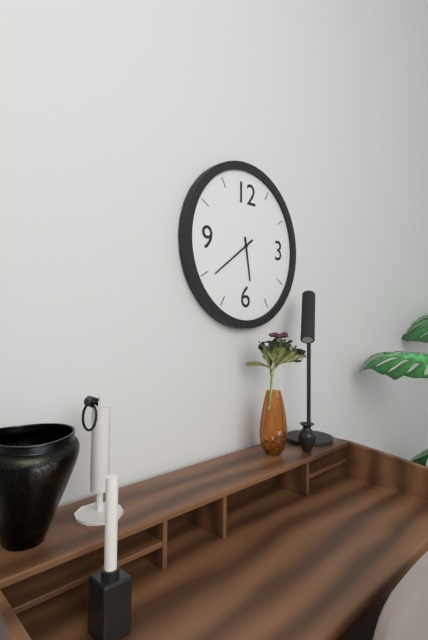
5:39
